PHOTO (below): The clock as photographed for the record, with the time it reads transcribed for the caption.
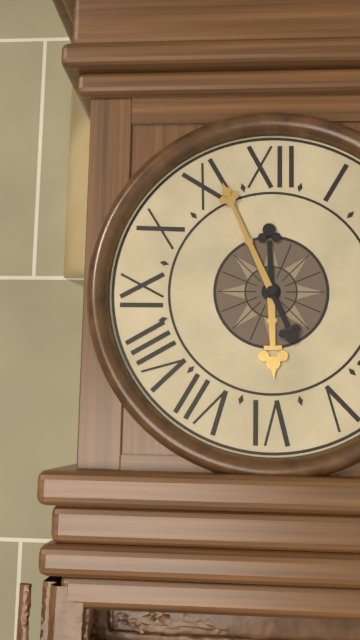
5:56
